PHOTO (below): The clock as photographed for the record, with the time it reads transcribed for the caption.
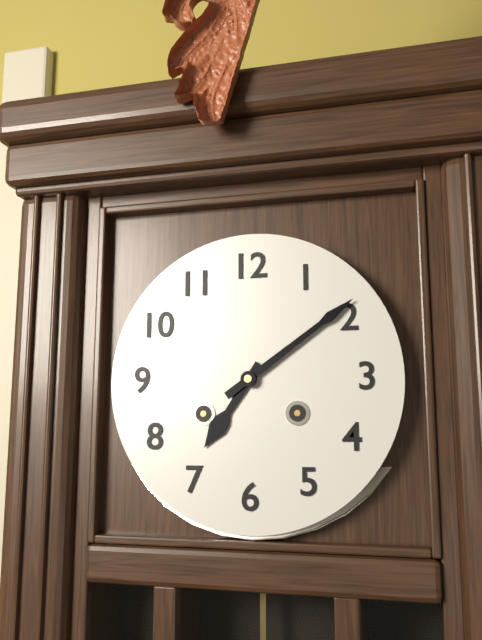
7:09
